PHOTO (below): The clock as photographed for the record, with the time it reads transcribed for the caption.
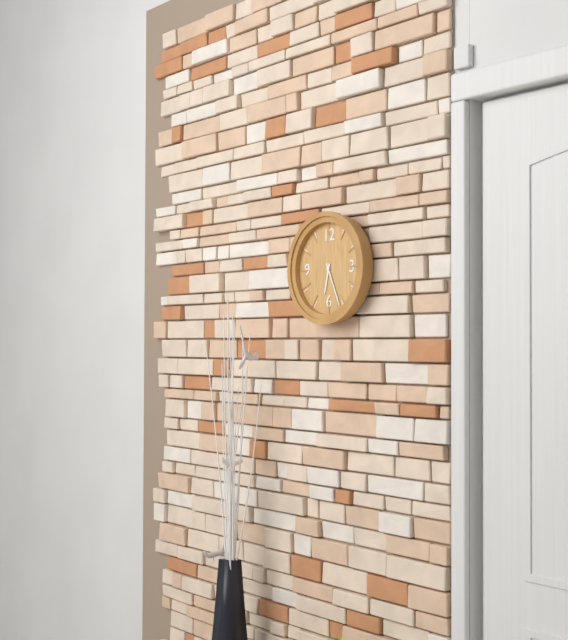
6:26
